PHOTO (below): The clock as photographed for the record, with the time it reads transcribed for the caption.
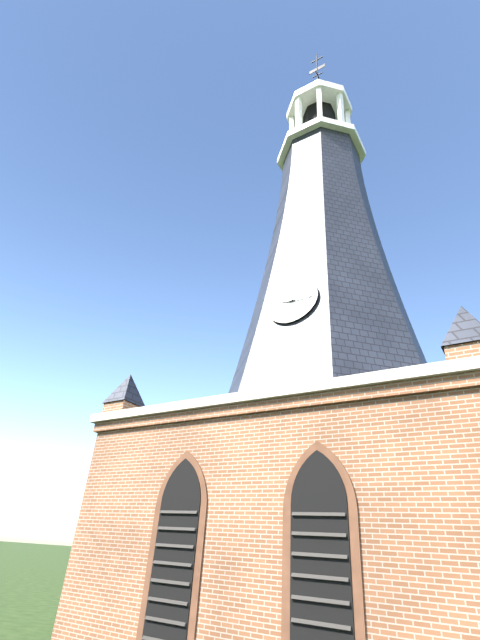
9:15
